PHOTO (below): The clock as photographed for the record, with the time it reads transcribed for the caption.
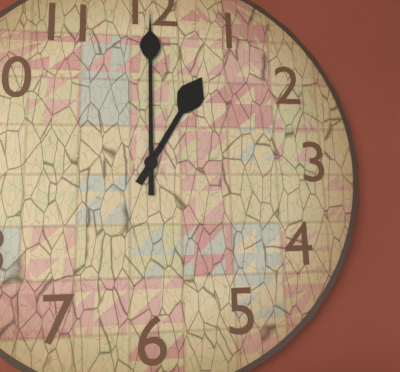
1:00
